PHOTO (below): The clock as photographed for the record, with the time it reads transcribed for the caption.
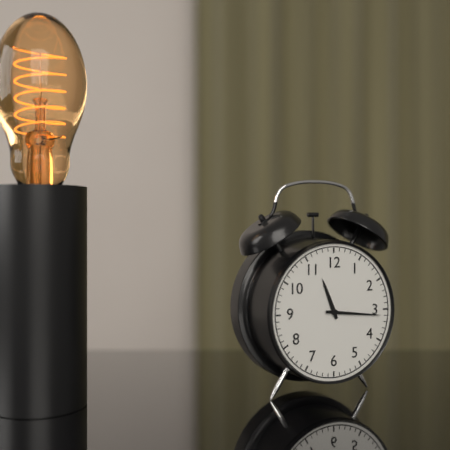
11:16
